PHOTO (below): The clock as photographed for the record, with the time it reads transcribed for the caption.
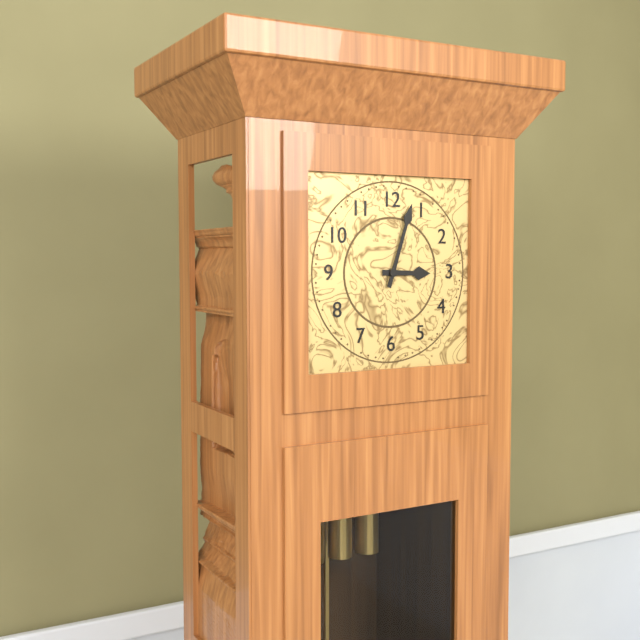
3:03
